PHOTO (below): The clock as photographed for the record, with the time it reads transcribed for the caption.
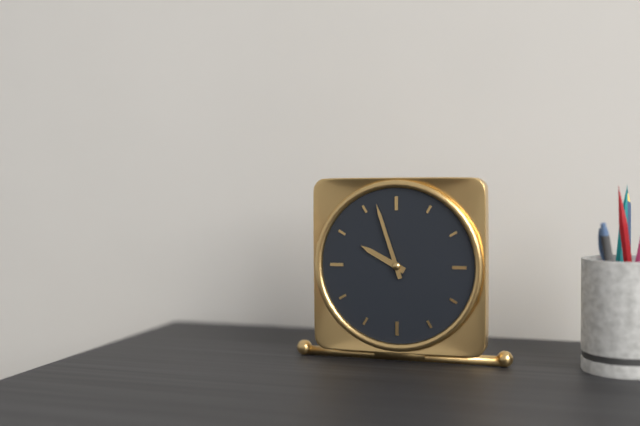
9:57
